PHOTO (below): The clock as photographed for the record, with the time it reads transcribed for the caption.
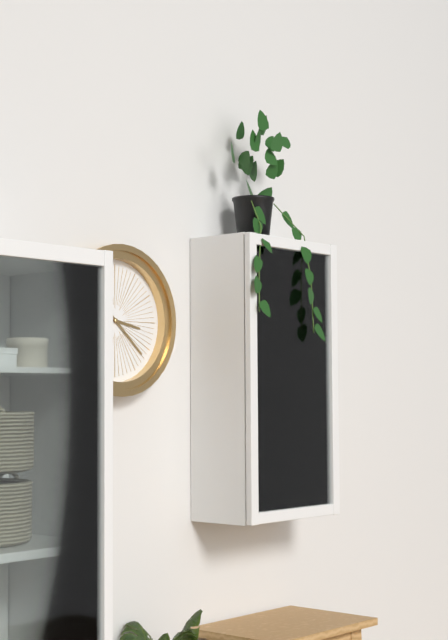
3:22
